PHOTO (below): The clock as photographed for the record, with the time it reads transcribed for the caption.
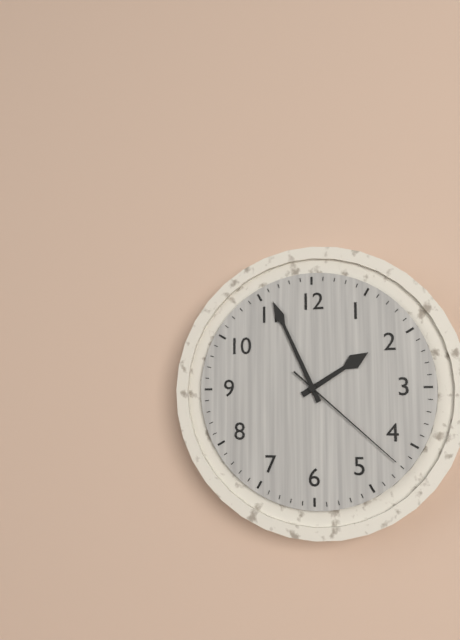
1:56:22
